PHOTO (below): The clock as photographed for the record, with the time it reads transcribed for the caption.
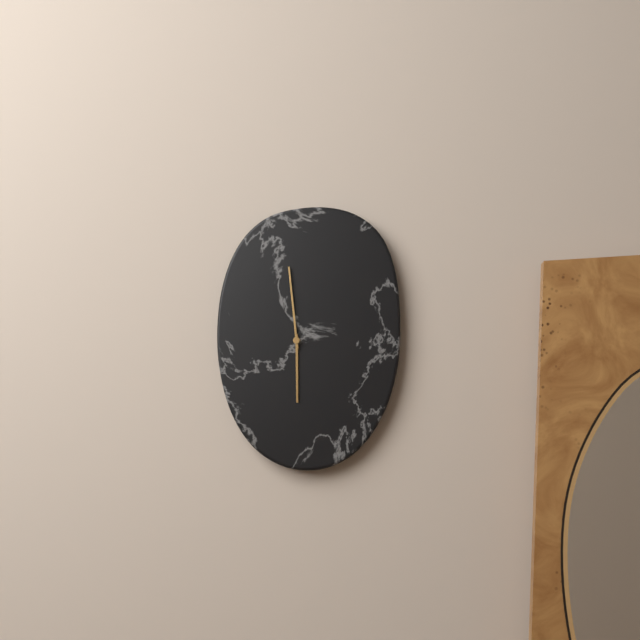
5:59
